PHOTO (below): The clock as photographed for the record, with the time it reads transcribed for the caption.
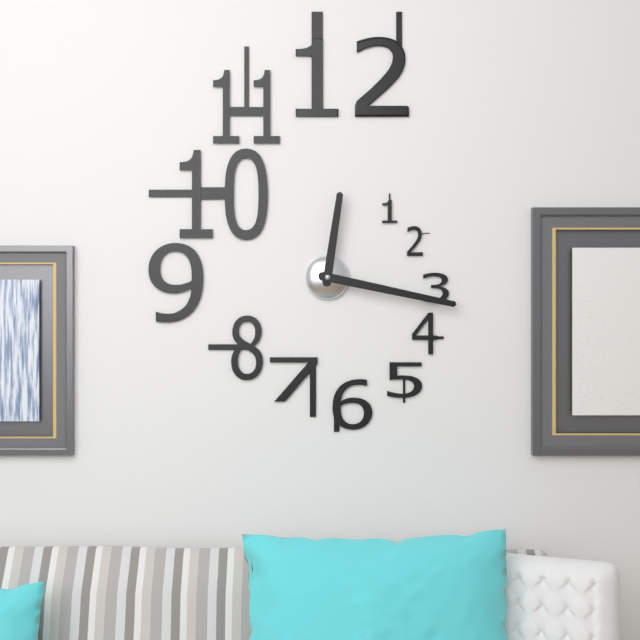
12:17
